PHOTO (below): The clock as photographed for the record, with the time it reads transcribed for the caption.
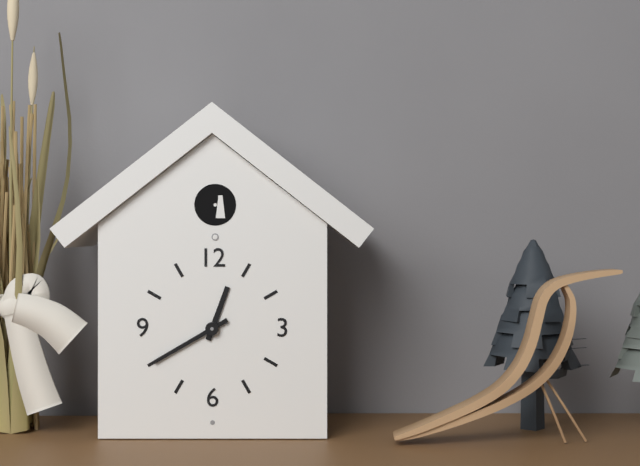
12:40
